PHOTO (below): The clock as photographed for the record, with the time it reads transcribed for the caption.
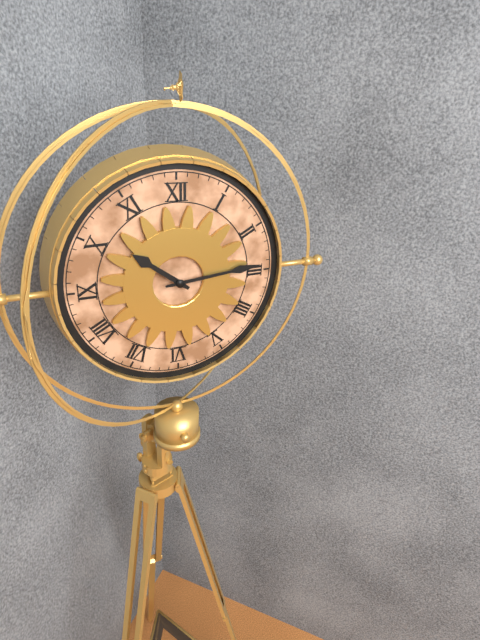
10:14
